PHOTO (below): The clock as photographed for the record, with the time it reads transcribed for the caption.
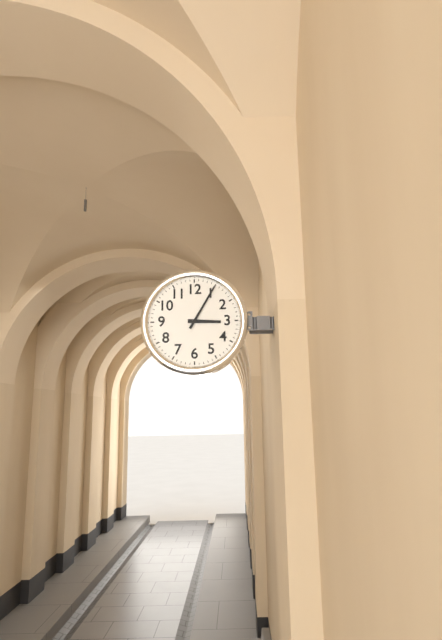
3:05
